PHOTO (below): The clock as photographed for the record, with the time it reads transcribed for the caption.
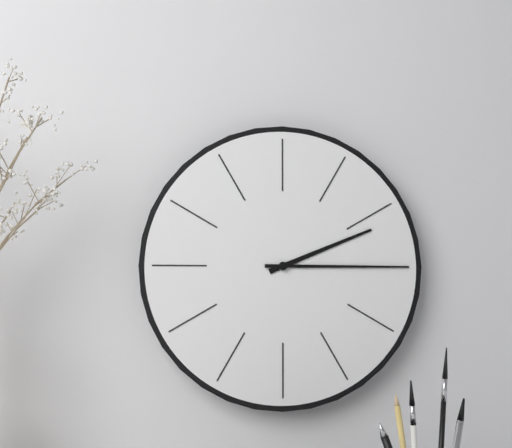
2:15
